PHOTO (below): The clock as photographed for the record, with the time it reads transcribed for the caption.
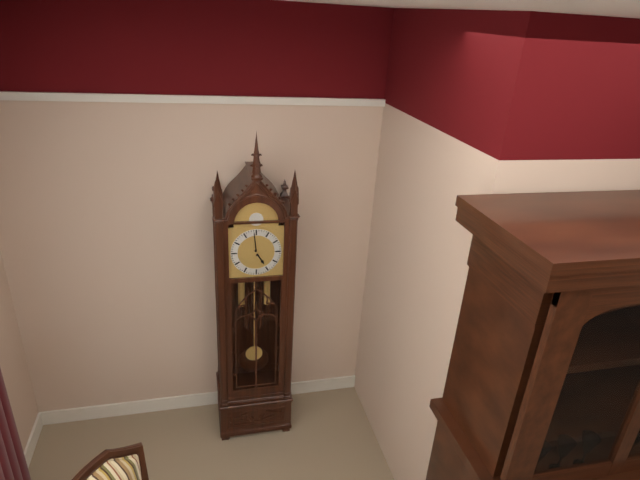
4:59
